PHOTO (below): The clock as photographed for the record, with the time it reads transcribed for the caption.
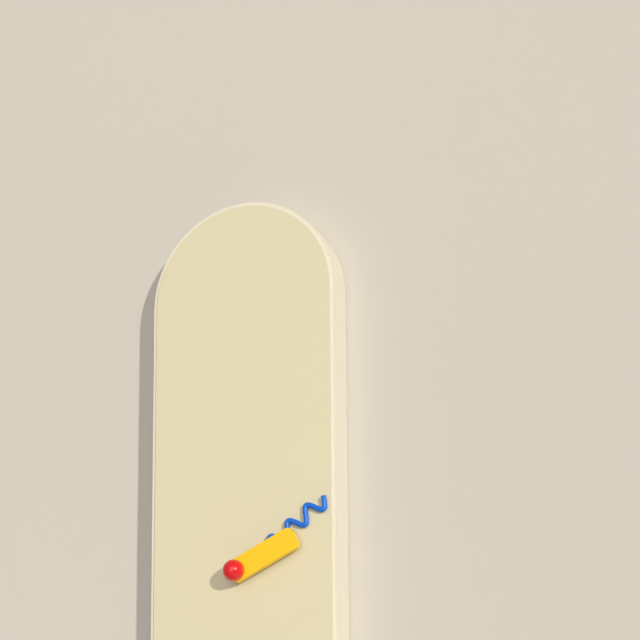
2:09
